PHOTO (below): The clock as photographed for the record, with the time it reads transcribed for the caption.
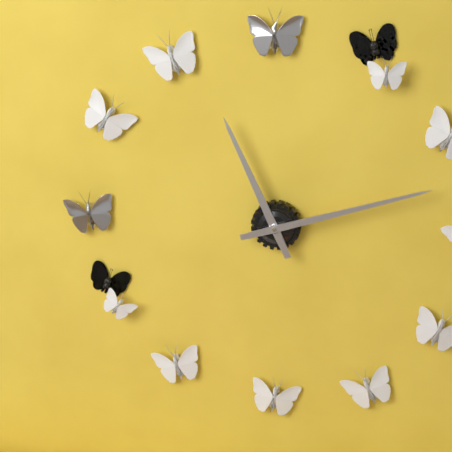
11:12
